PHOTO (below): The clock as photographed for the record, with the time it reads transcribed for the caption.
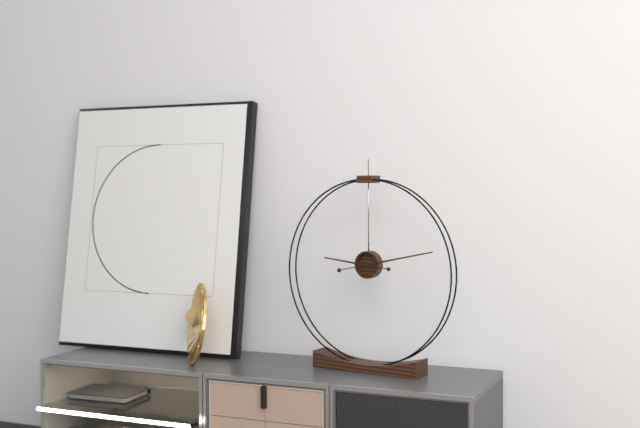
9:13
